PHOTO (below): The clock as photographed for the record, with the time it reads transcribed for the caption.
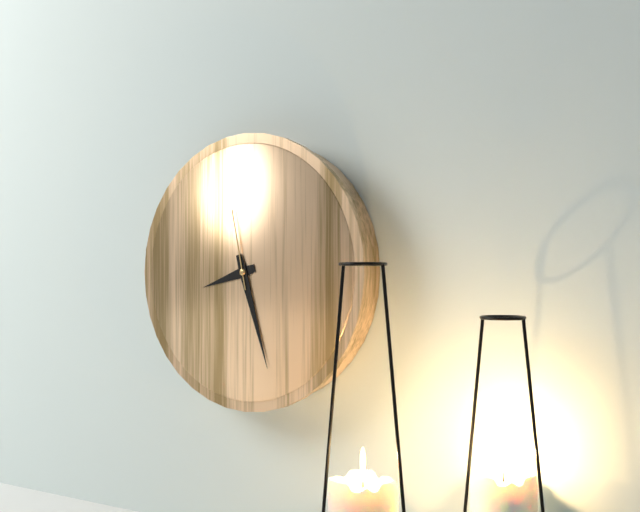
8:27:58
